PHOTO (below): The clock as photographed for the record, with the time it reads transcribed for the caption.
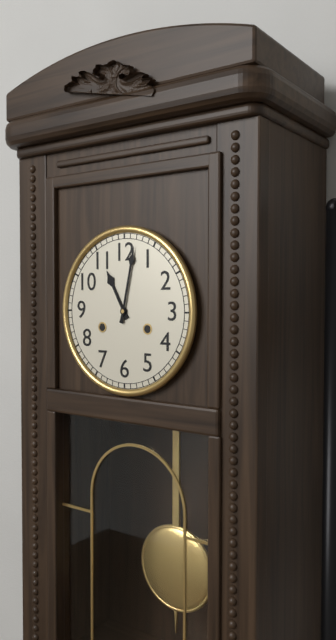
11:02
